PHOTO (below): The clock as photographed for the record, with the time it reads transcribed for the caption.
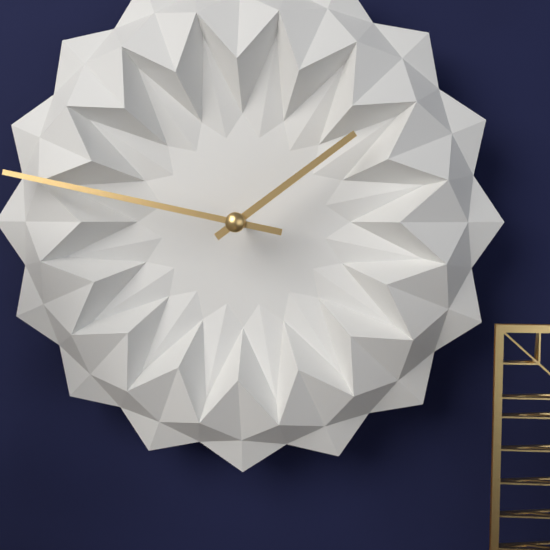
1:47
